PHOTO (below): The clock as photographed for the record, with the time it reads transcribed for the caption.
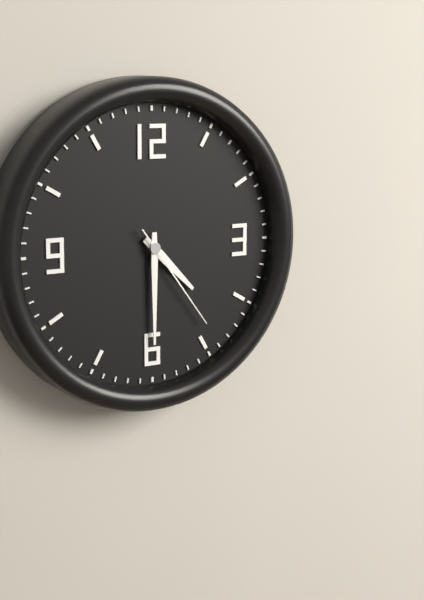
4:30:24
